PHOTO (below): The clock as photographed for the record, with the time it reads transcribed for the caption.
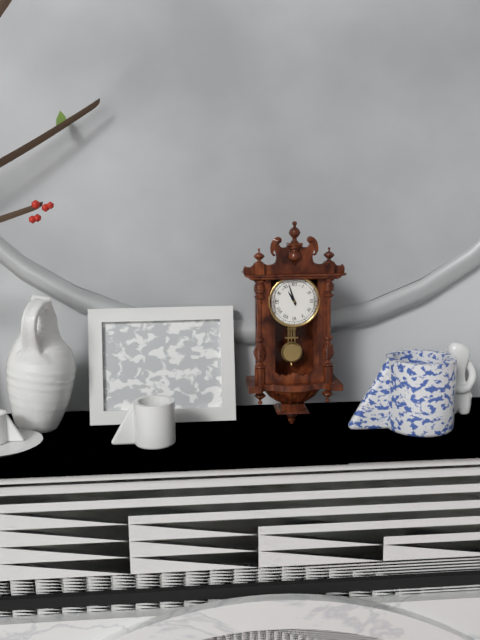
10:57
